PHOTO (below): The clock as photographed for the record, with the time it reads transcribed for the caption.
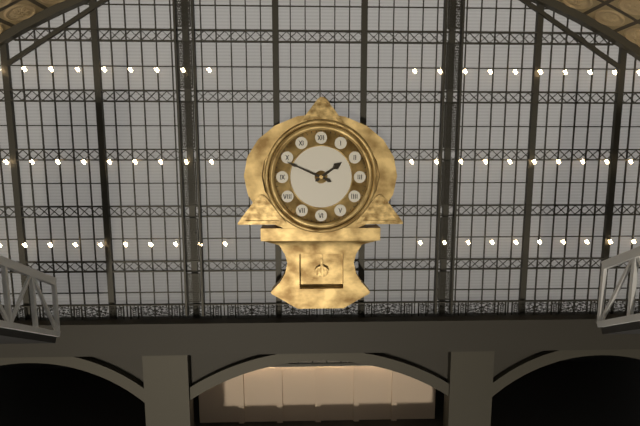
1:49
